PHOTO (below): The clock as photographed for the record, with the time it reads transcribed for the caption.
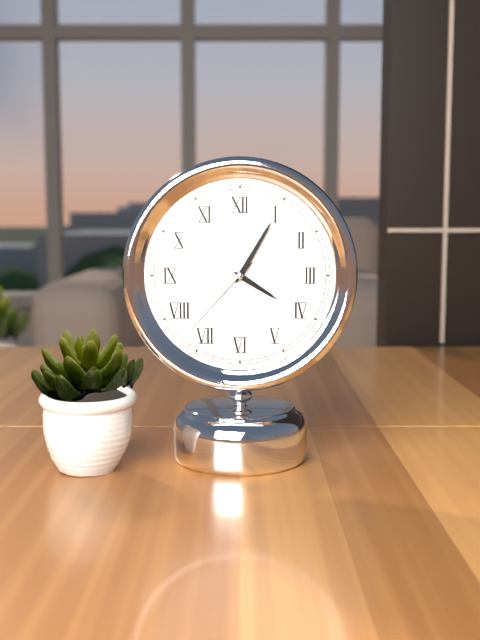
4:05:37
